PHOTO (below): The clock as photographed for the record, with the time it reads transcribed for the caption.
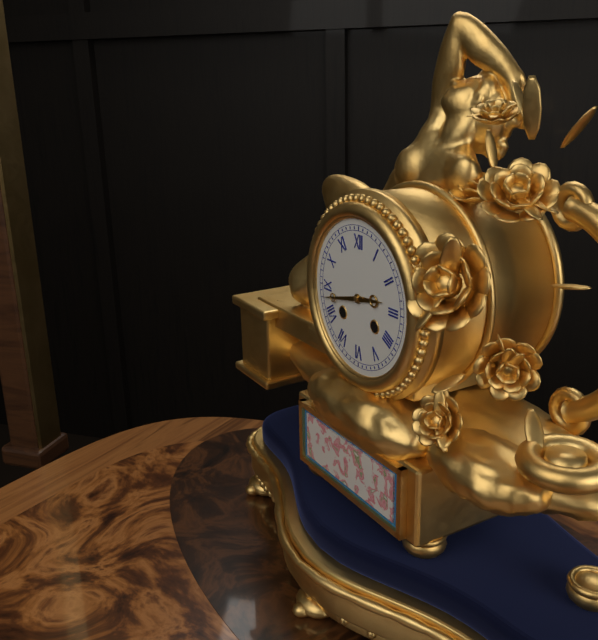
2:43
